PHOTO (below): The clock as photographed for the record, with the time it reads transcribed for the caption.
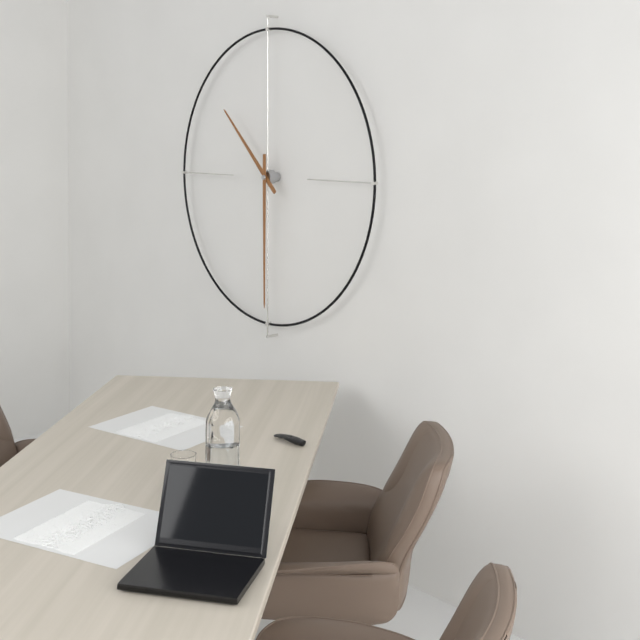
10:30
